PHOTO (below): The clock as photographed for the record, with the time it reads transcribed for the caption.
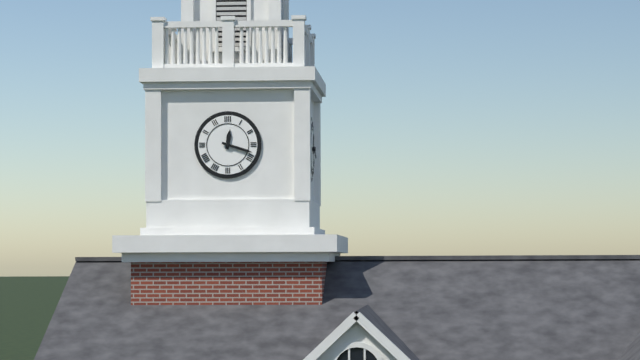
12:18
